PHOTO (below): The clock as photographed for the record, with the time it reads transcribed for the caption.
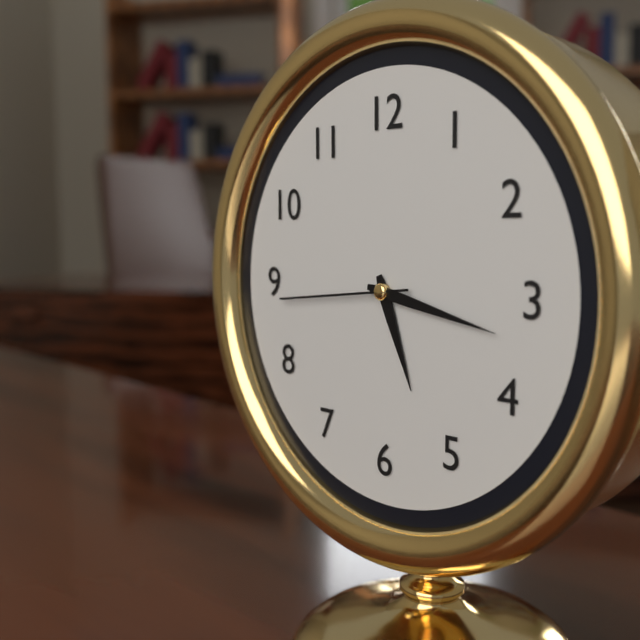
5:17:44
